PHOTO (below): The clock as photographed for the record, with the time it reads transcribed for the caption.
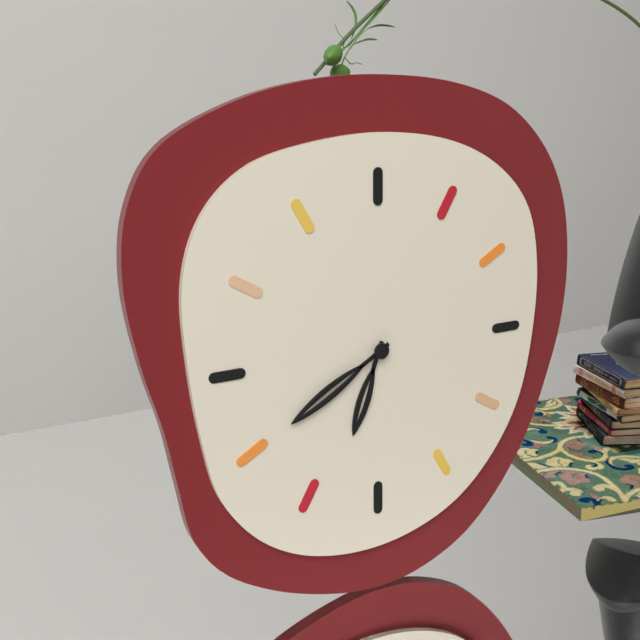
6:40
